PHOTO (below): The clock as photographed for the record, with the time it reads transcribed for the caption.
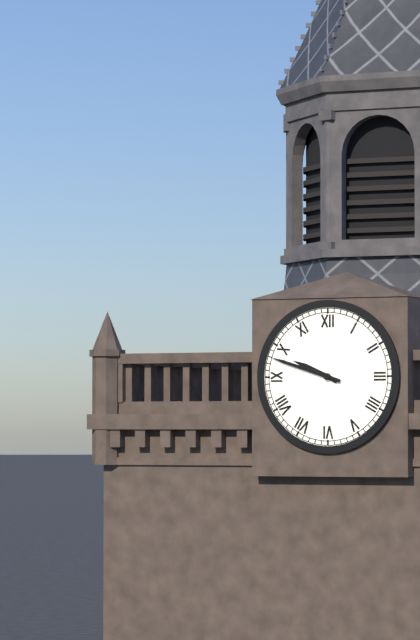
9:48
